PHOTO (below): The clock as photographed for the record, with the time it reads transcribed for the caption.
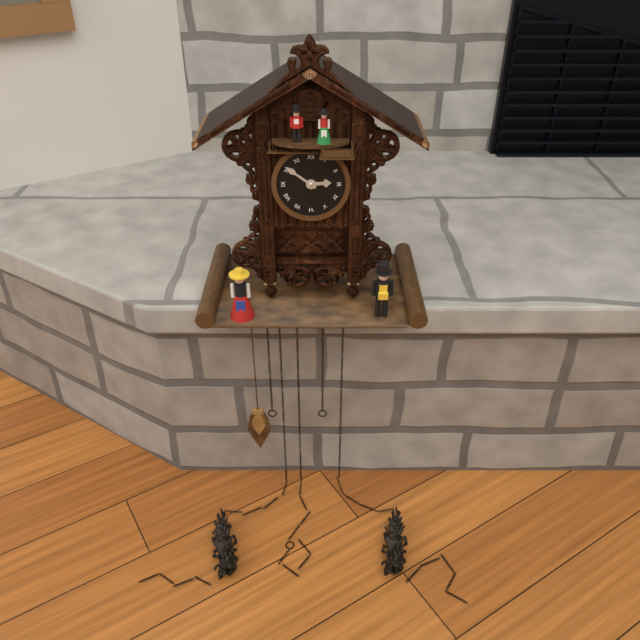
2:51
